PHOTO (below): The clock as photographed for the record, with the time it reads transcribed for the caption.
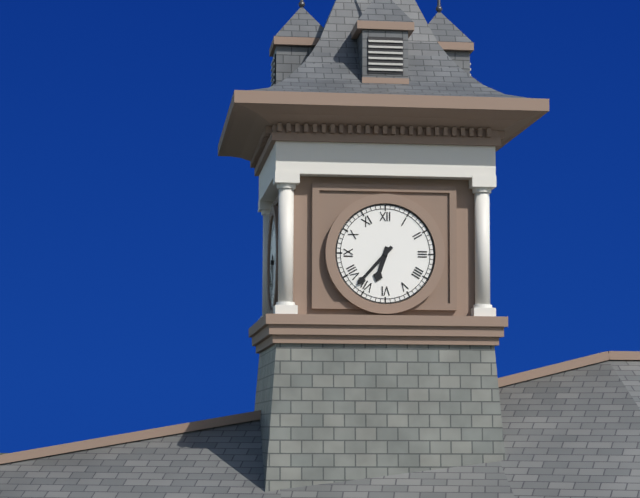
6:37
